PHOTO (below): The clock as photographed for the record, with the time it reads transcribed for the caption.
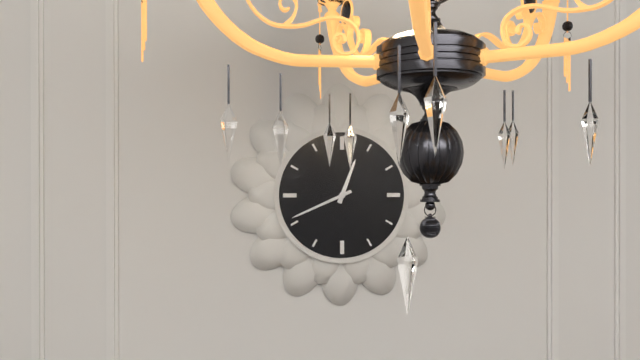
12:41
